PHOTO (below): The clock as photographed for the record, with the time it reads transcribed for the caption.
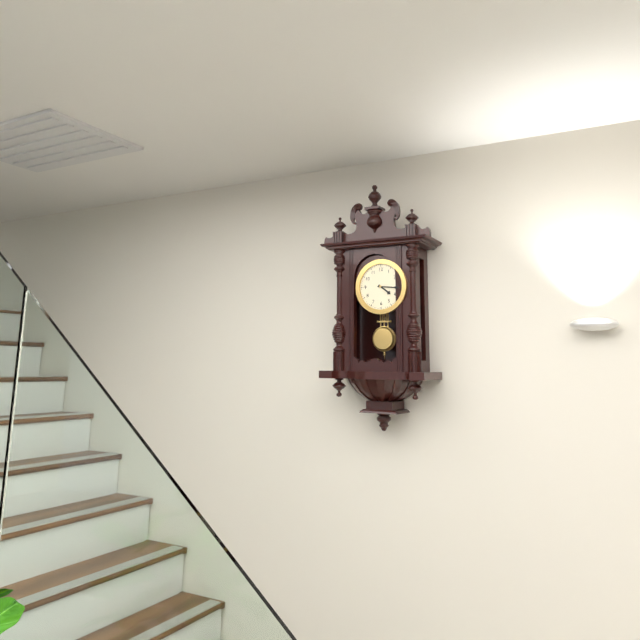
4:16
